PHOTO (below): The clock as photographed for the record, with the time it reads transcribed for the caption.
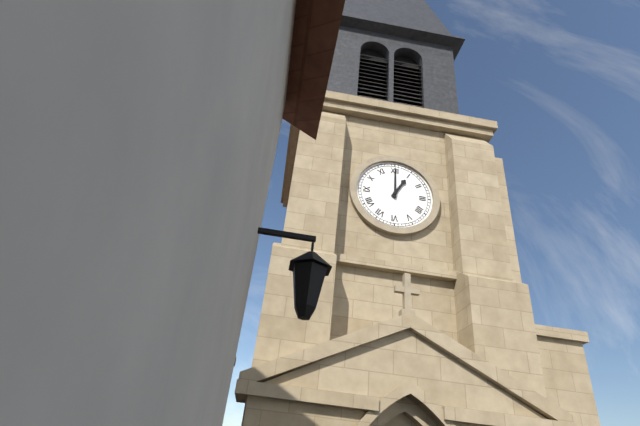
1:00
